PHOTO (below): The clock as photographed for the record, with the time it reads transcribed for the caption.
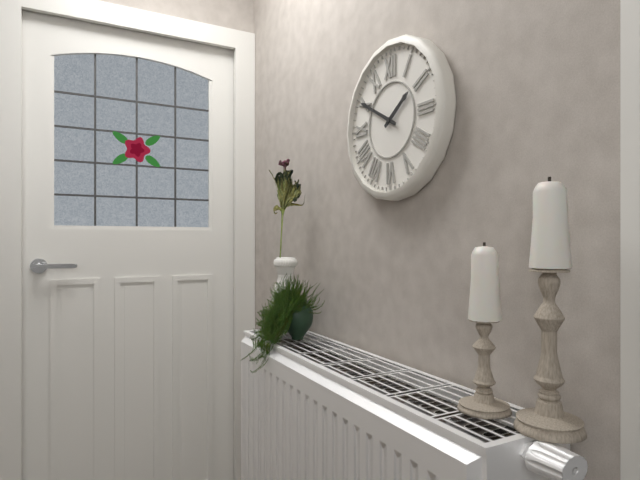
1:50
